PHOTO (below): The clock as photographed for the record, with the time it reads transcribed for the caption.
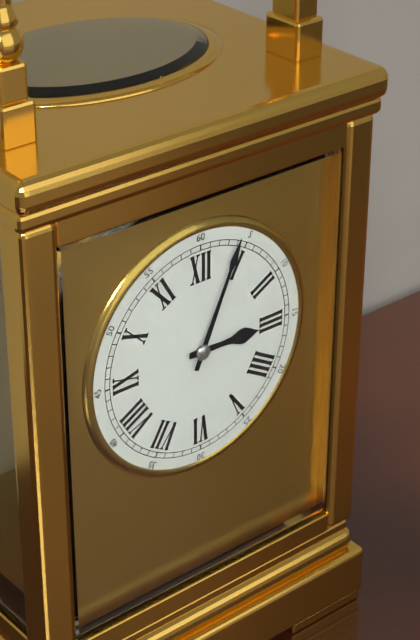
3:04
